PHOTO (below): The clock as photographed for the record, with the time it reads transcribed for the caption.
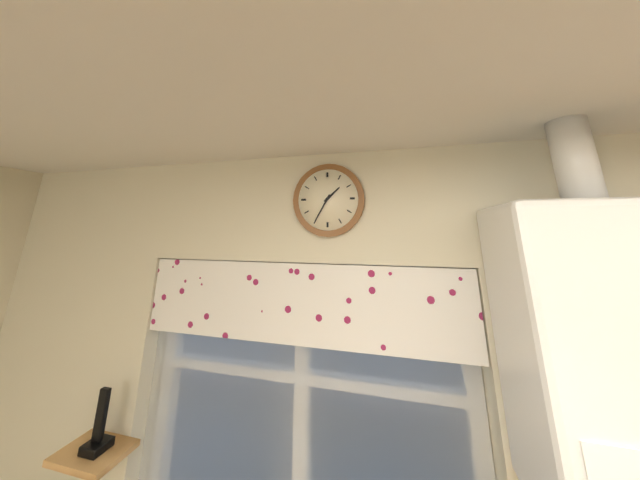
1:35
